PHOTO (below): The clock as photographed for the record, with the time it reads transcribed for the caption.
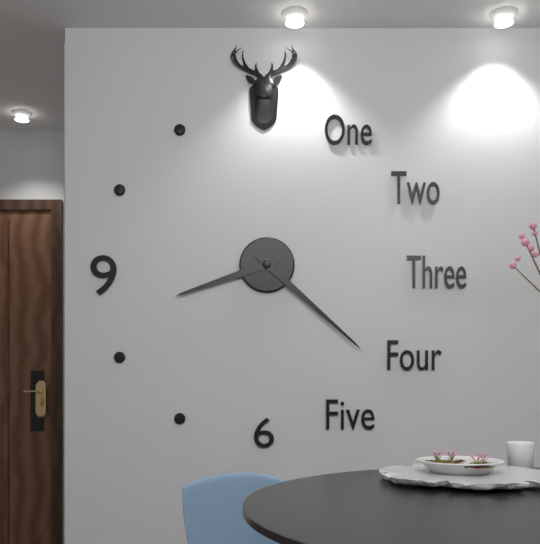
8:22
